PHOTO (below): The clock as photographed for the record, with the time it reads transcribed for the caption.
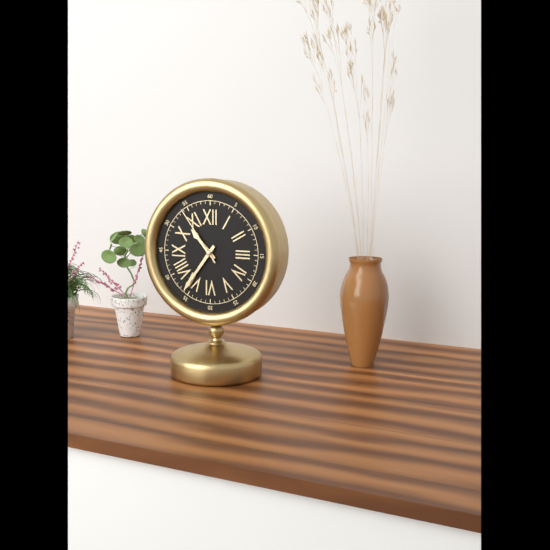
10:36:54
